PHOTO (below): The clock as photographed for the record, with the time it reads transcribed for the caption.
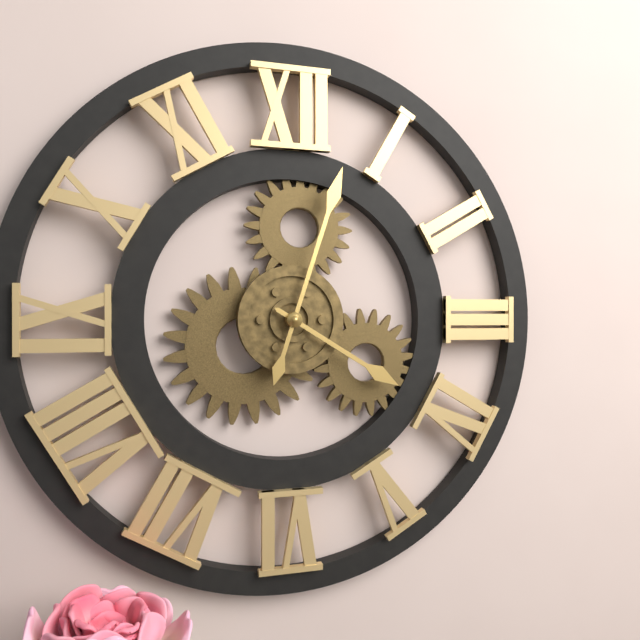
4:03
